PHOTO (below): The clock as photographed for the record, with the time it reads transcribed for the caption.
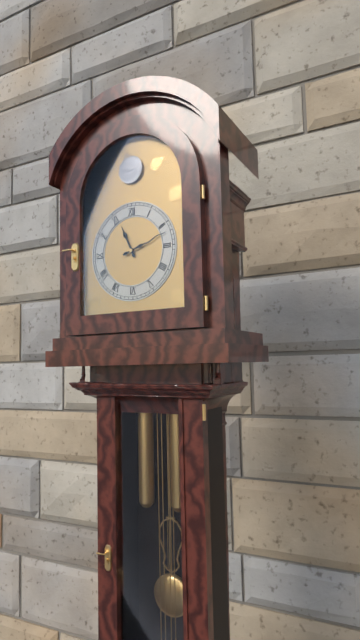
11:12
